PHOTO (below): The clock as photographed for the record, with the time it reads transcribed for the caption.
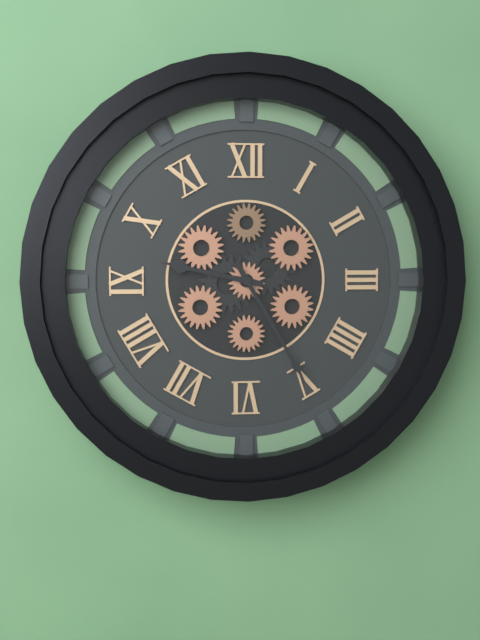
9:25
